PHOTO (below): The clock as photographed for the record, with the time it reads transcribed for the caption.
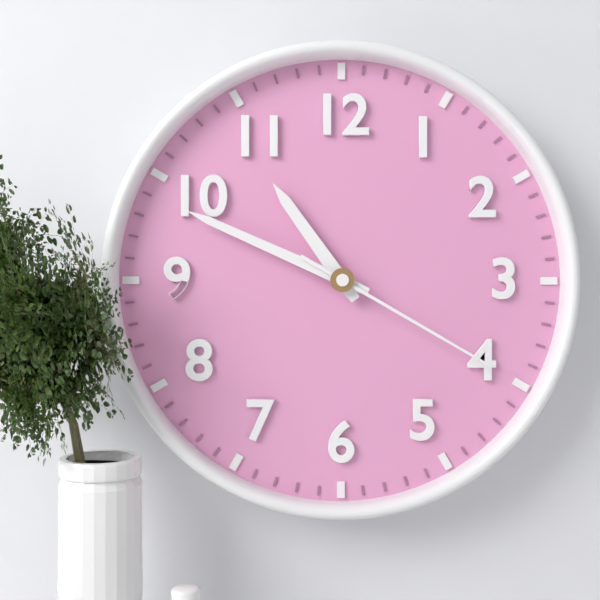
10:49:20
